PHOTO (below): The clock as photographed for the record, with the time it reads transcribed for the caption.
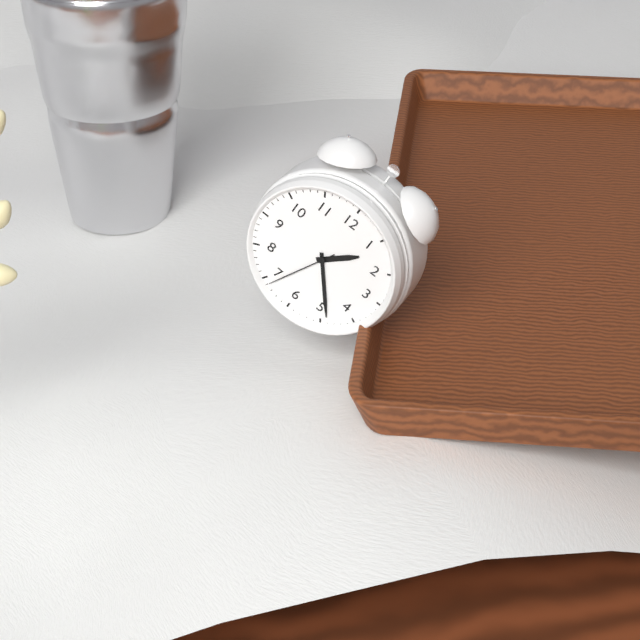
1:24:34
